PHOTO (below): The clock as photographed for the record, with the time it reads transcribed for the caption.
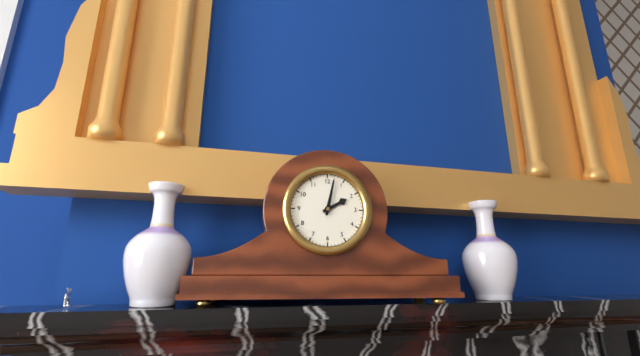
2:02
